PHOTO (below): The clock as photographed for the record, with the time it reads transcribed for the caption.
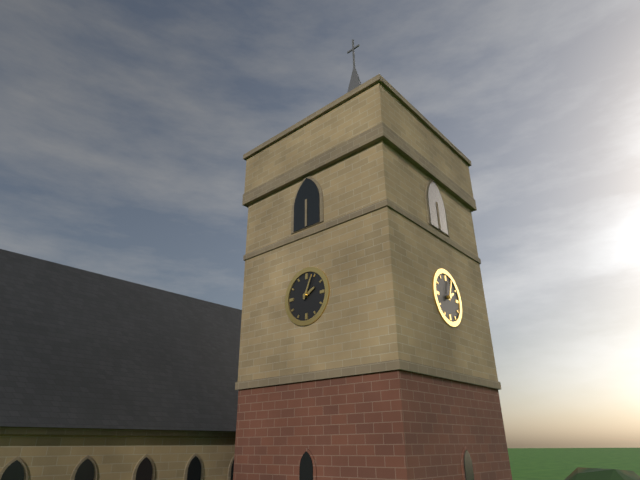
2:04
